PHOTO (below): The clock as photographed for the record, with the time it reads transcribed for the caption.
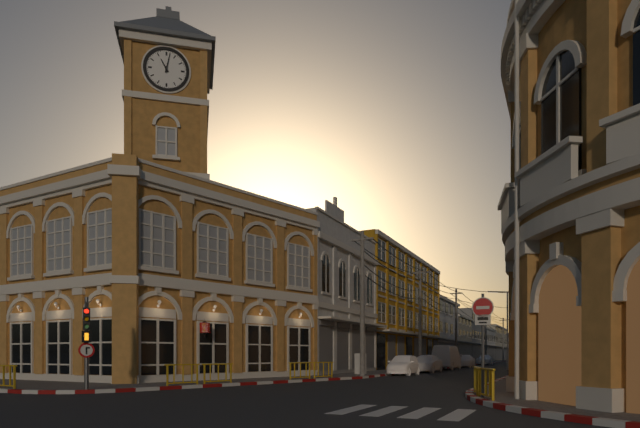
11:02
